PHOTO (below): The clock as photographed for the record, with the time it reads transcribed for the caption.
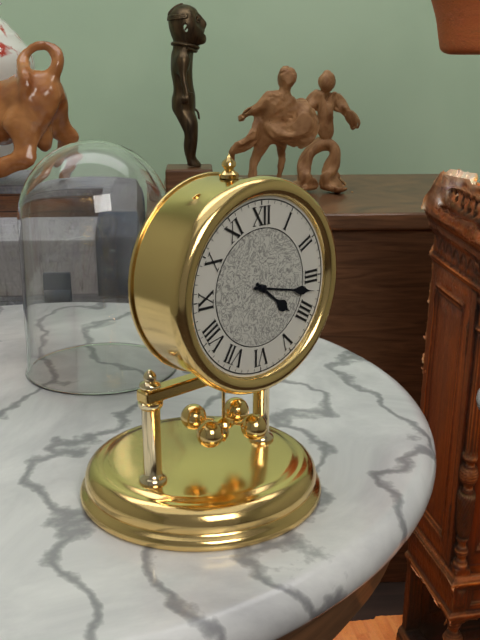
4:17
